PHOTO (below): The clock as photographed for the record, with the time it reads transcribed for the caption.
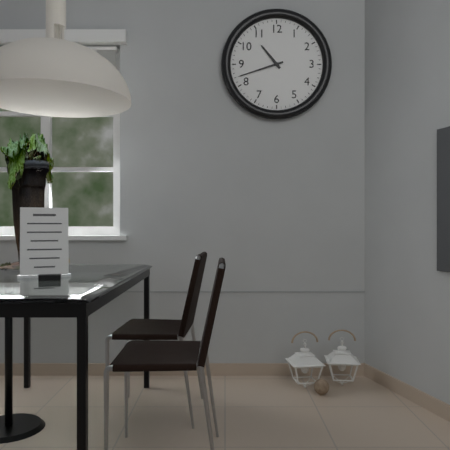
10:42
